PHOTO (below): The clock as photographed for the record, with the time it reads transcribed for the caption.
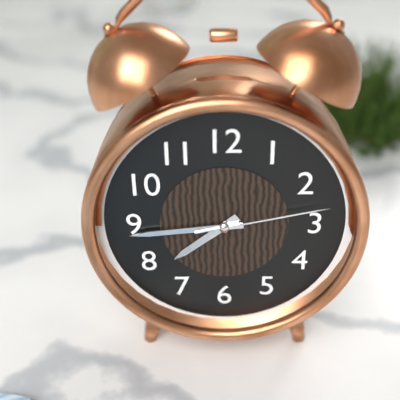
7:44:13
